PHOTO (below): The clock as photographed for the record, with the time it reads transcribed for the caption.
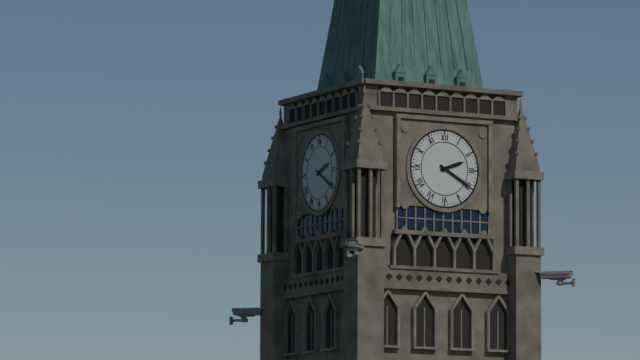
2:20
